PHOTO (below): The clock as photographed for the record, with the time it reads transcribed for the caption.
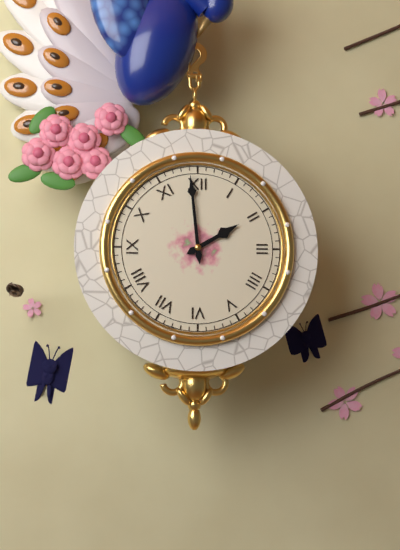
1:59
